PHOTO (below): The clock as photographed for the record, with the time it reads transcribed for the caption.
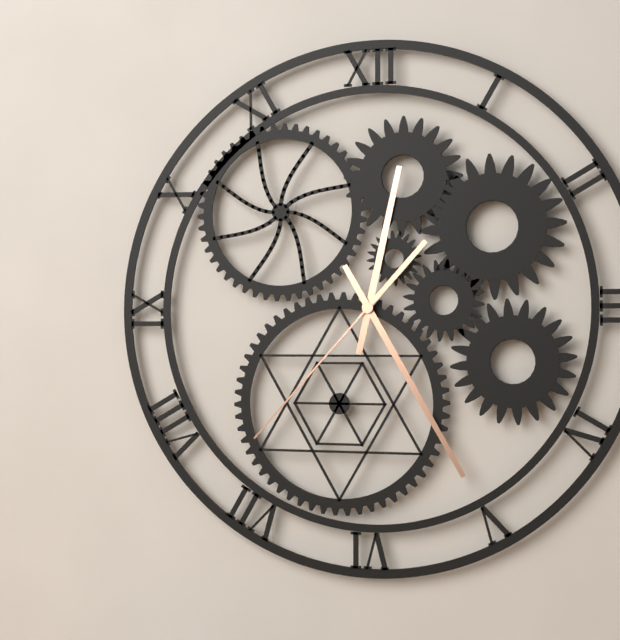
12:25:37
